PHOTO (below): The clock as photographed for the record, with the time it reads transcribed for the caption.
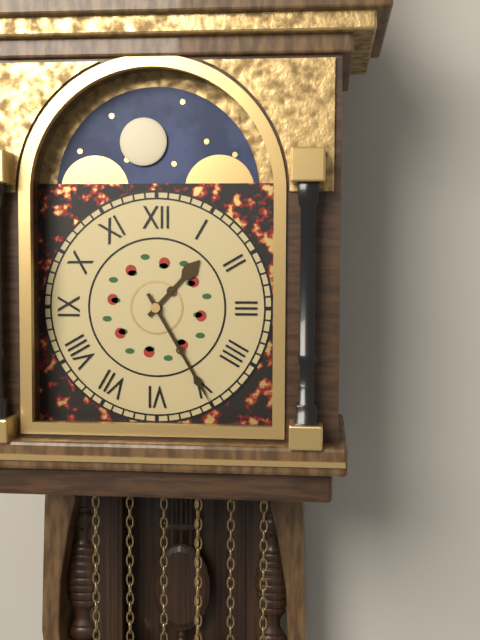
1:25
